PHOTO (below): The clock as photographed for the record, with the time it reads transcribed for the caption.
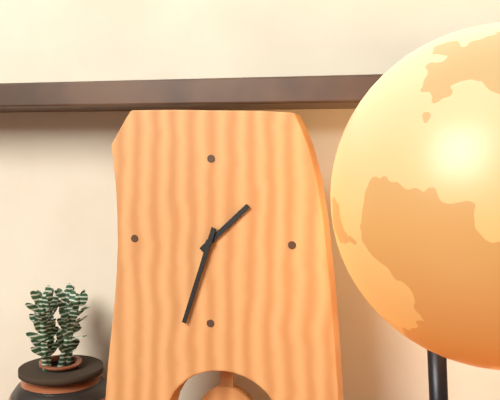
1:33
